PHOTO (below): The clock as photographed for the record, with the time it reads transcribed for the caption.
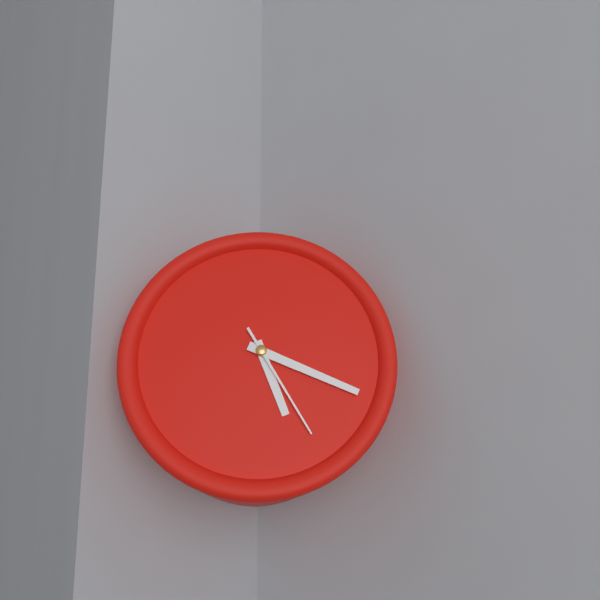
5:19:25
